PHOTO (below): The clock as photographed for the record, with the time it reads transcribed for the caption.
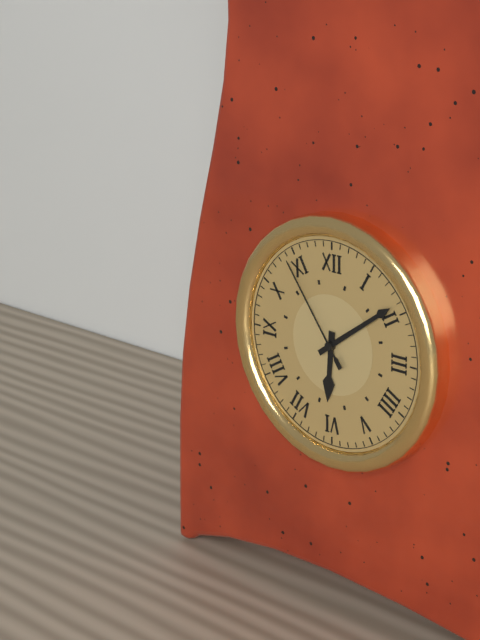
6:09:54
